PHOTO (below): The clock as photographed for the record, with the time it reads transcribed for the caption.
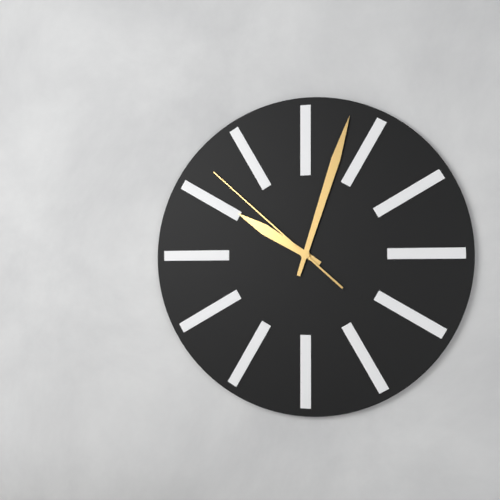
10:03:52
